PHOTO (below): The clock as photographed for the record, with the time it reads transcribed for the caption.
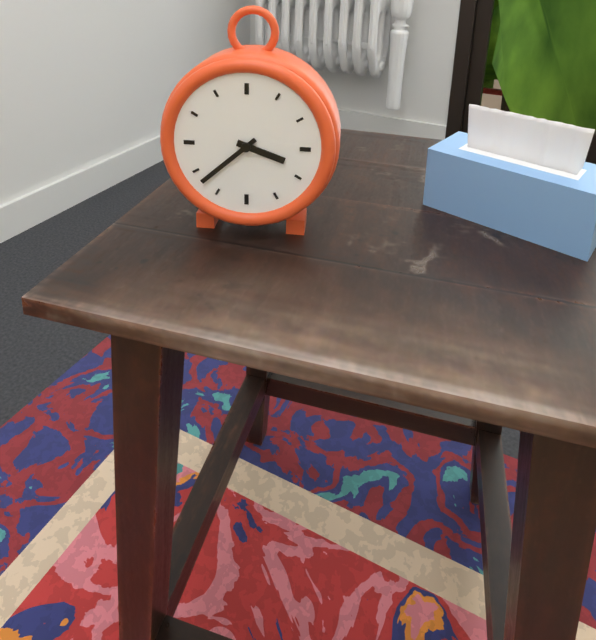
3:38
